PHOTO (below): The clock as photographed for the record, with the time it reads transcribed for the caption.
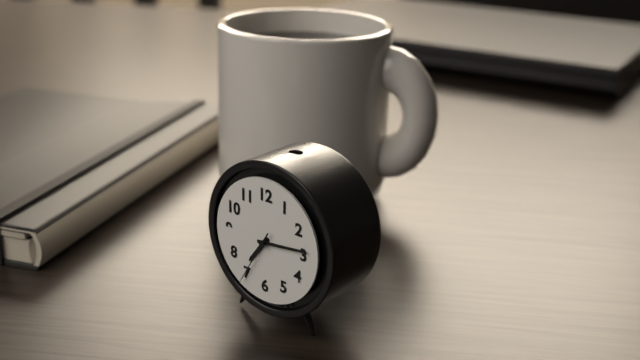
7:14:35
